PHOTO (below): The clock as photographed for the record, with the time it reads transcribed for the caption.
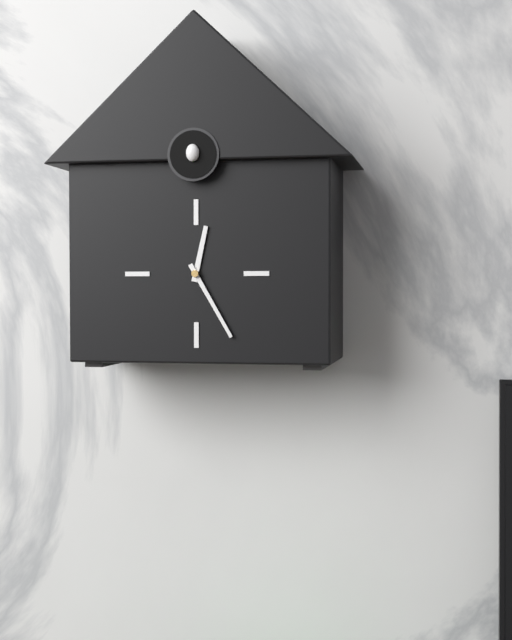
12:25
